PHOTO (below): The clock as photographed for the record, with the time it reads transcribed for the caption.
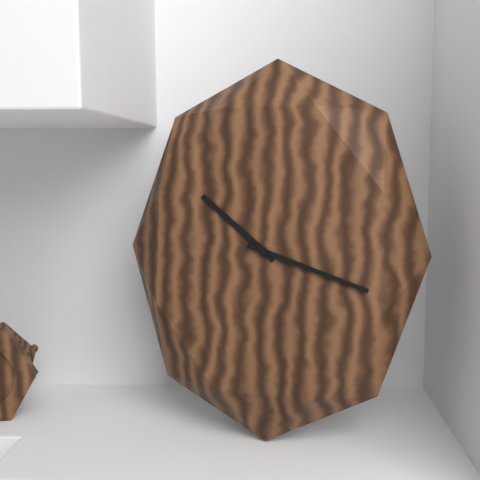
10:18
